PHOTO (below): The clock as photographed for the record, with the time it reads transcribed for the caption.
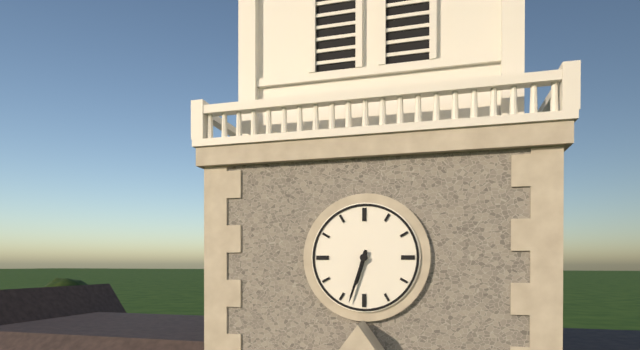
6:33
